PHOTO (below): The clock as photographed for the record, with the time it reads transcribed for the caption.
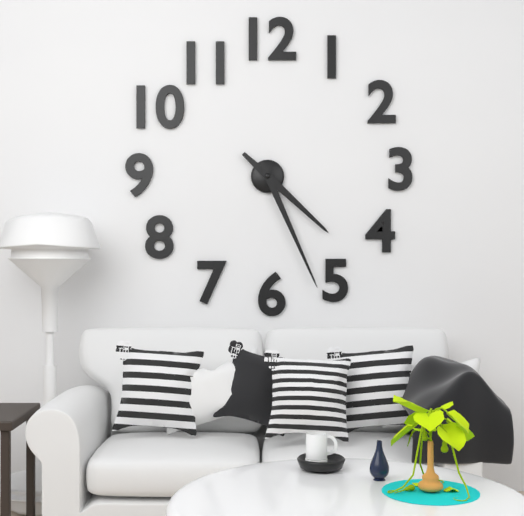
4:26
